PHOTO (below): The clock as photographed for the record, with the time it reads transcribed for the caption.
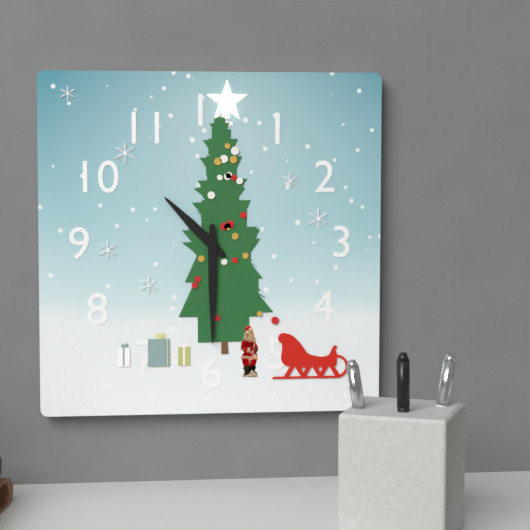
10:30
